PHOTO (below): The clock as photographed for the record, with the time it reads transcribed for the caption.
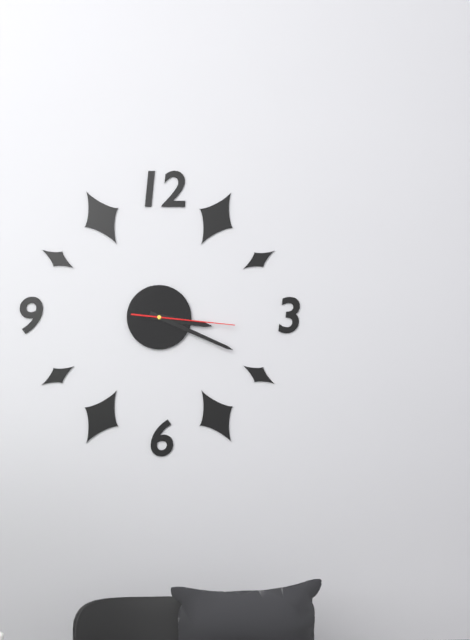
3:19:16
